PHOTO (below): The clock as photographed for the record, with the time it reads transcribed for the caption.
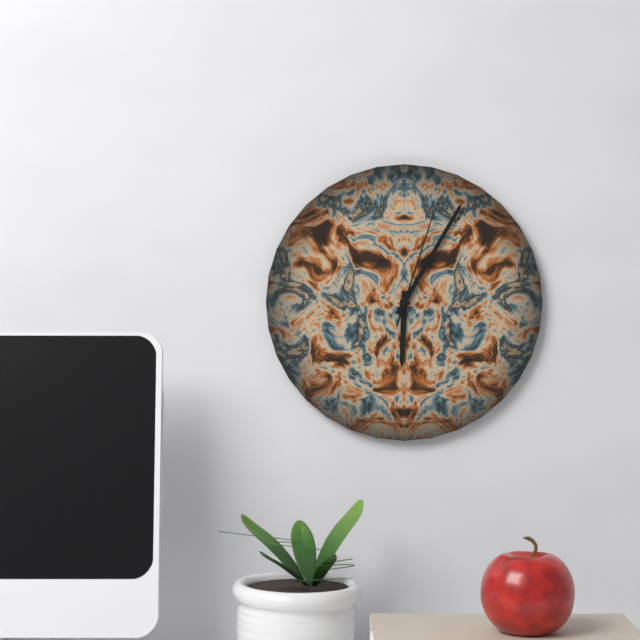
6:05:03
